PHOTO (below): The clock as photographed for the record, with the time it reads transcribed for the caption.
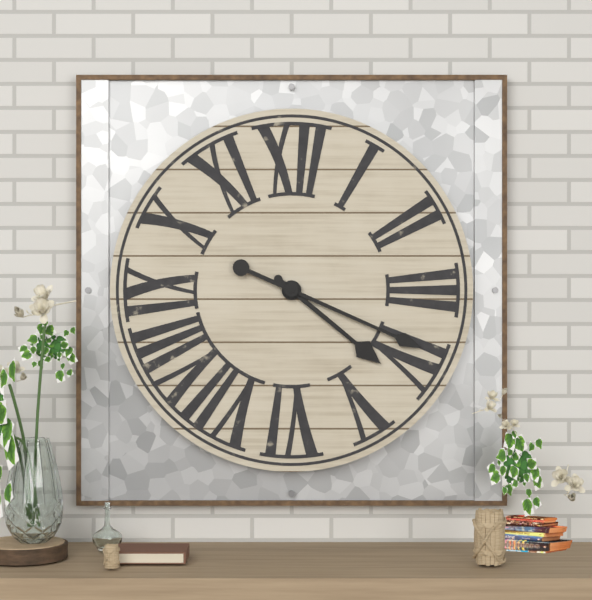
4:19
